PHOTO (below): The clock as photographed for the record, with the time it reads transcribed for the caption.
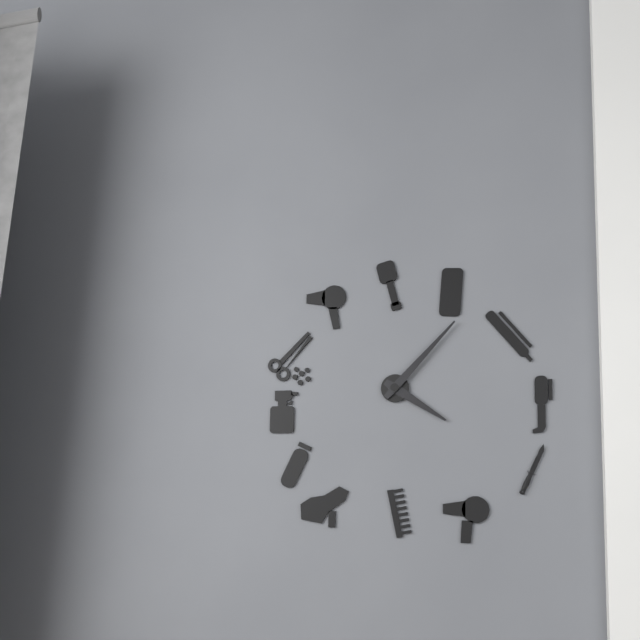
4:07
